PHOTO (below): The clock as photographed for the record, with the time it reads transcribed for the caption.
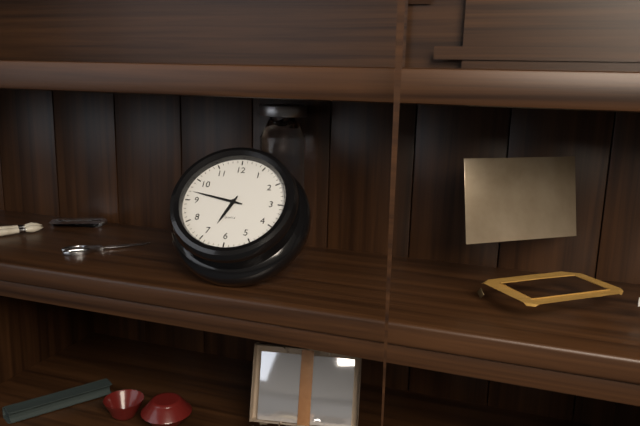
6:47
